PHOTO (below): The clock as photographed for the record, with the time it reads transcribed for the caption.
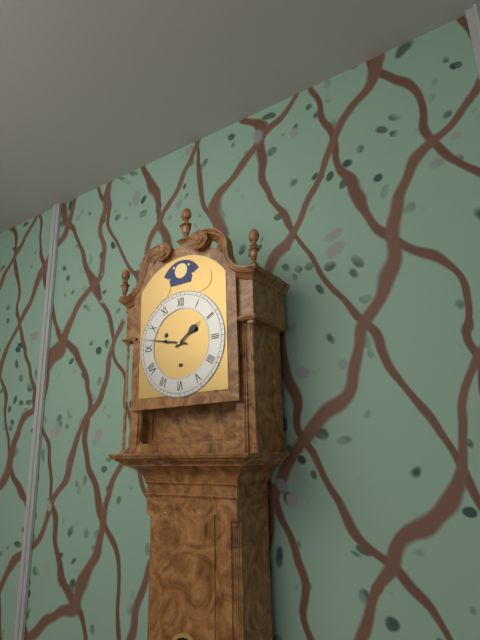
1:47
